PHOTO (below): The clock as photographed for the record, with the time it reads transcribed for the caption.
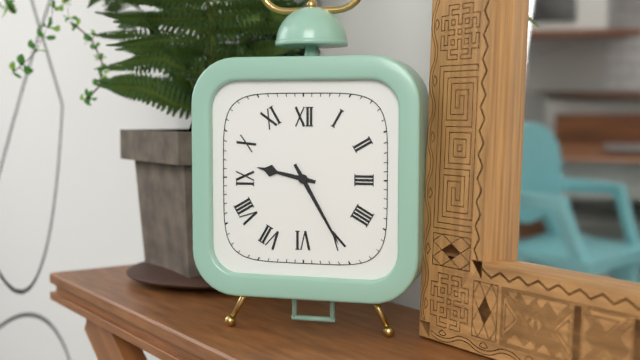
9:25
